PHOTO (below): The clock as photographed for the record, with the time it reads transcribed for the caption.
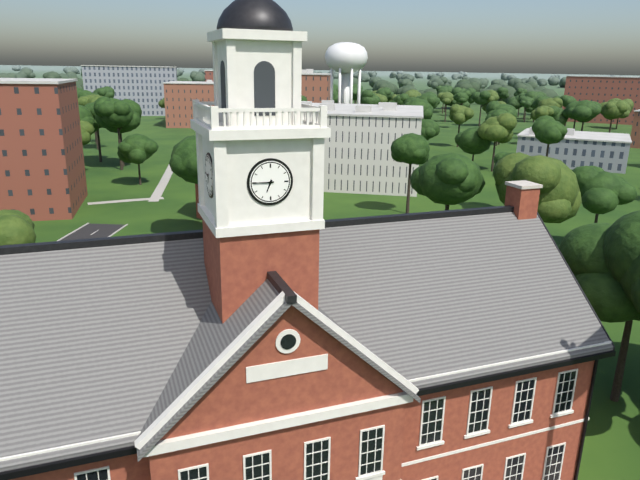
6:45
